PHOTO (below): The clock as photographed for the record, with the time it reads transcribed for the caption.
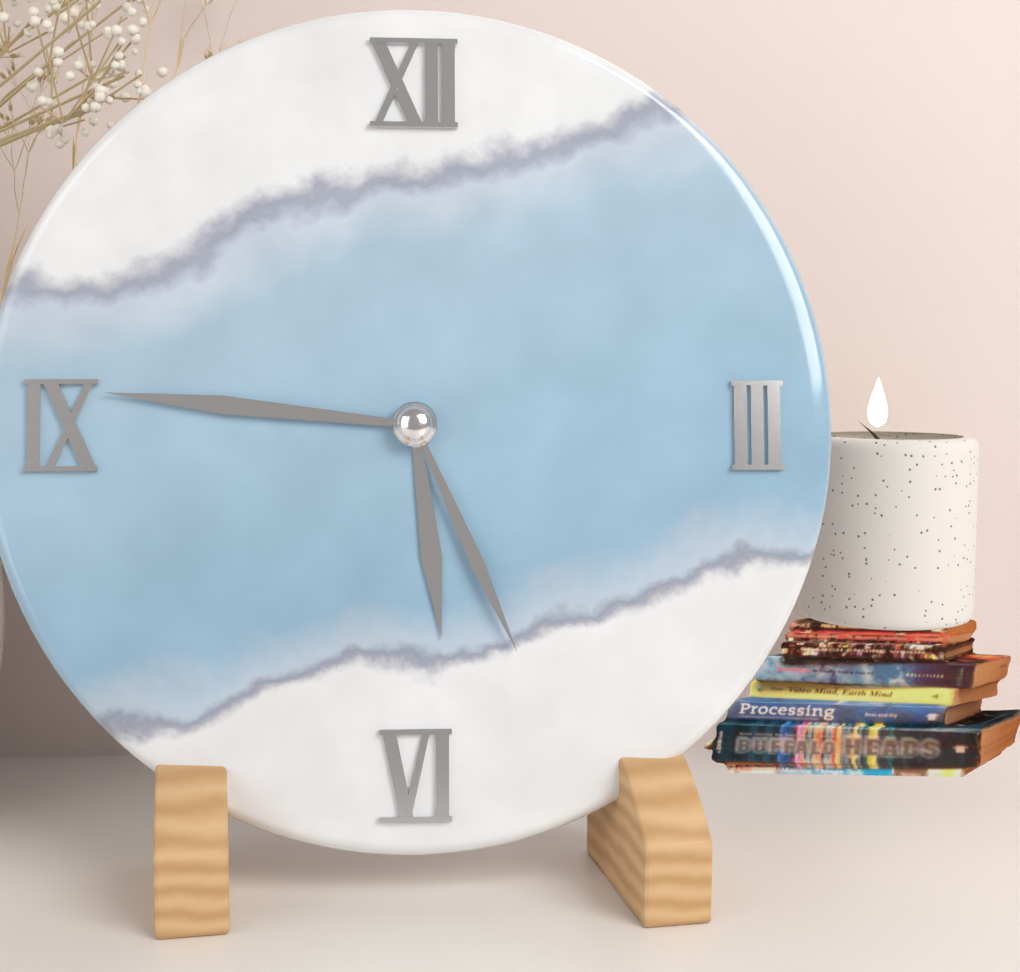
5:46:26
